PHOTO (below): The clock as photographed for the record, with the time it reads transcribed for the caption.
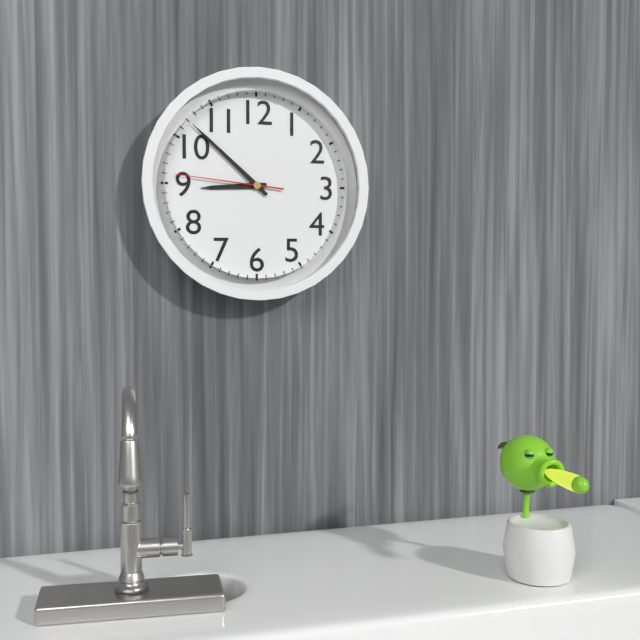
8:52:46
